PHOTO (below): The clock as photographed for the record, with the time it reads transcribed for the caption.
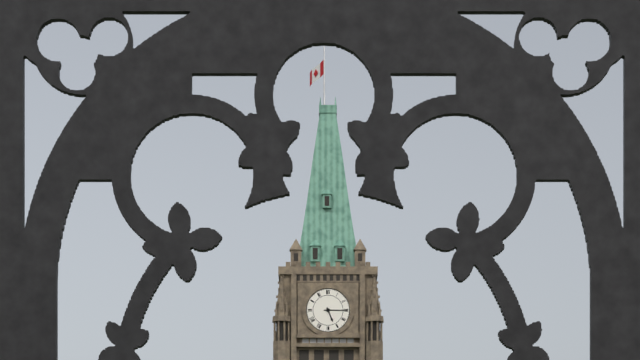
5:15
